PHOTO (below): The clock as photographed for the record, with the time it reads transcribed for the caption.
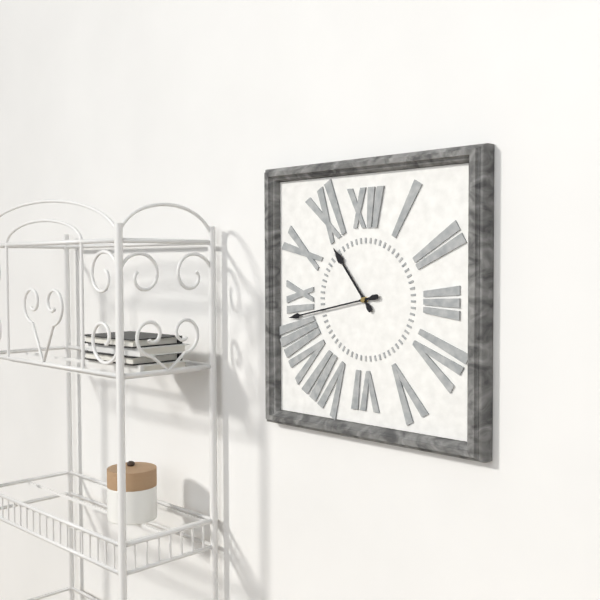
10:43
